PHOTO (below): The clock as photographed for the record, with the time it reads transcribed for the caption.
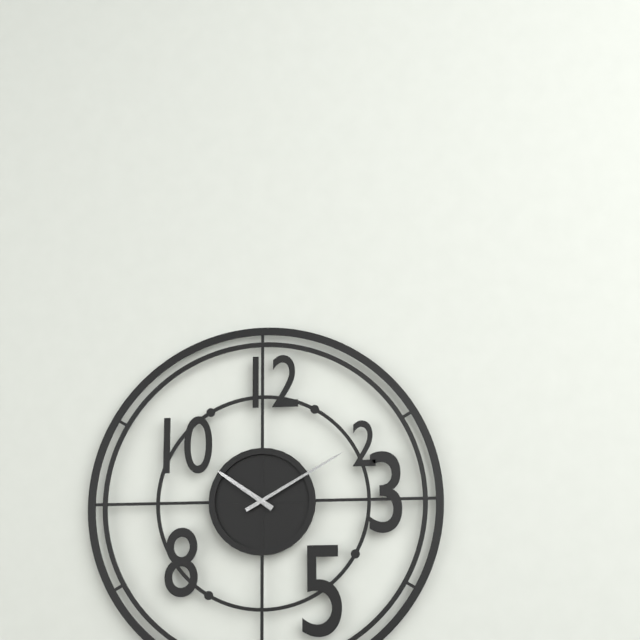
10:10
